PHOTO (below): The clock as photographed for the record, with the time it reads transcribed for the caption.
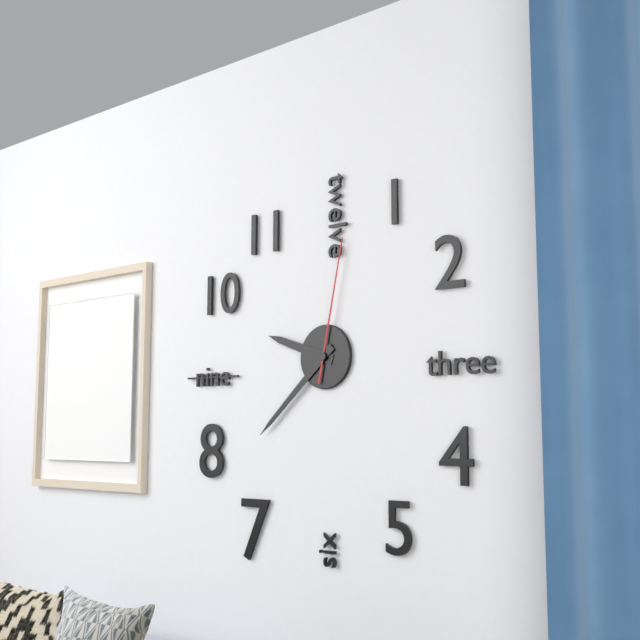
9:38:02
